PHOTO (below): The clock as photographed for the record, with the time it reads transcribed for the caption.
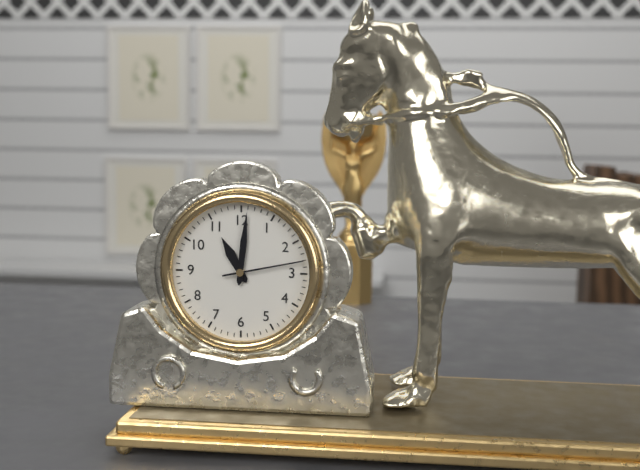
11:01:13
